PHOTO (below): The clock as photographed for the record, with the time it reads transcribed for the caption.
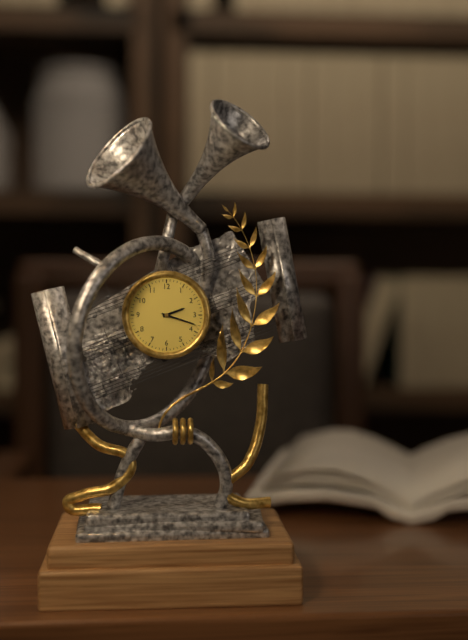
2:18
